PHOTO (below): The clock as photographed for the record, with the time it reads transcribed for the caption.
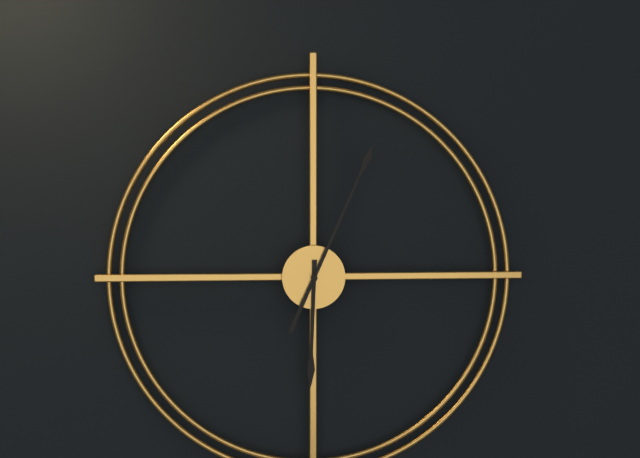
6:04
